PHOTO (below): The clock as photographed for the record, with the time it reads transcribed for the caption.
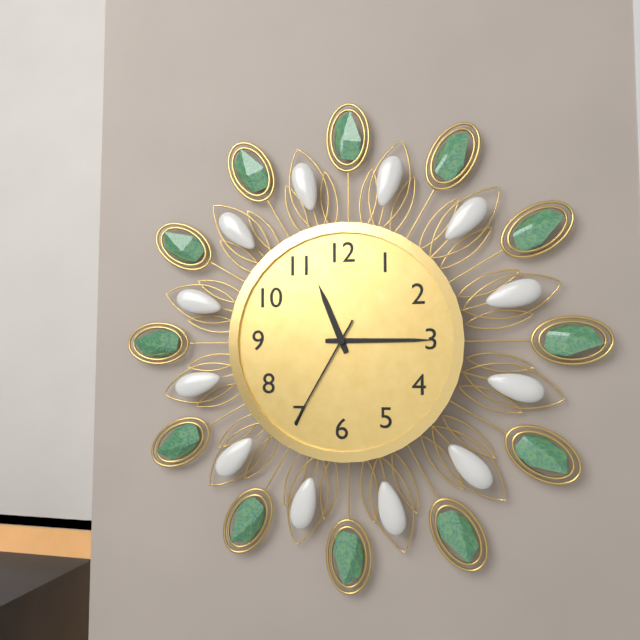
11:15:35
